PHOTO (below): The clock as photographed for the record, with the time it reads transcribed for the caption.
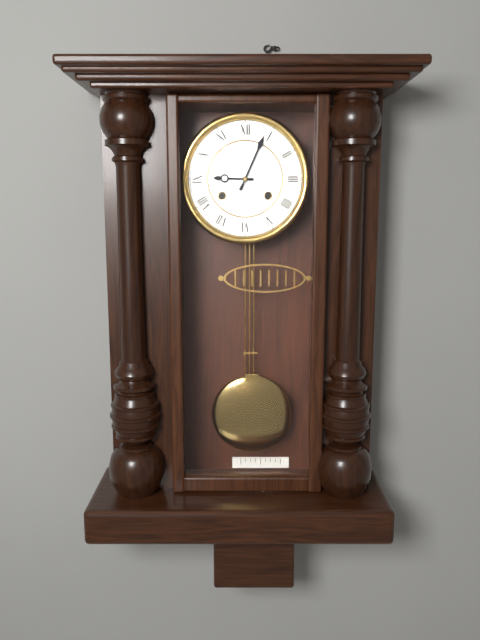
9:04
